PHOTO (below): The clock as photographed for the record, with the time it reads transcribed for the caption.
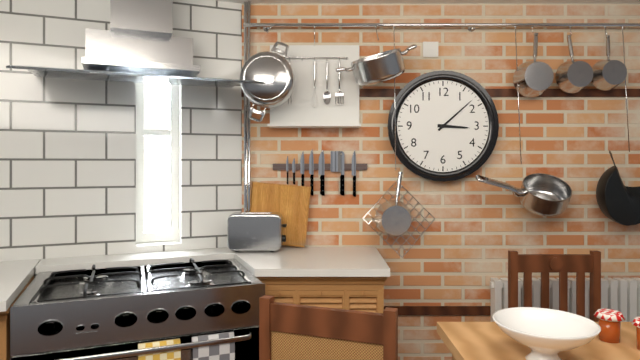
3:08
